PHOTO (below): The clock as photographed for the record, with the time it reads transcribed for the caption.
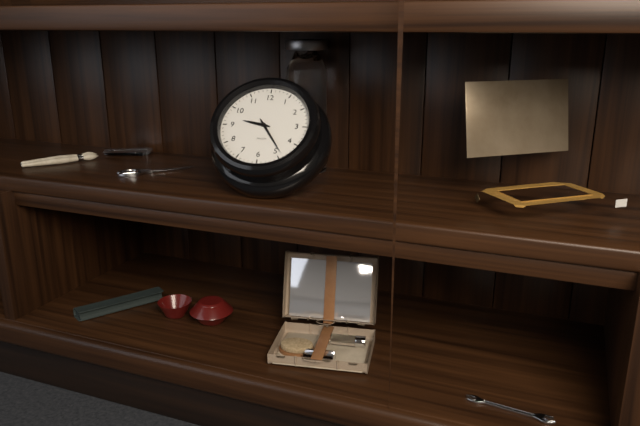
9:24
